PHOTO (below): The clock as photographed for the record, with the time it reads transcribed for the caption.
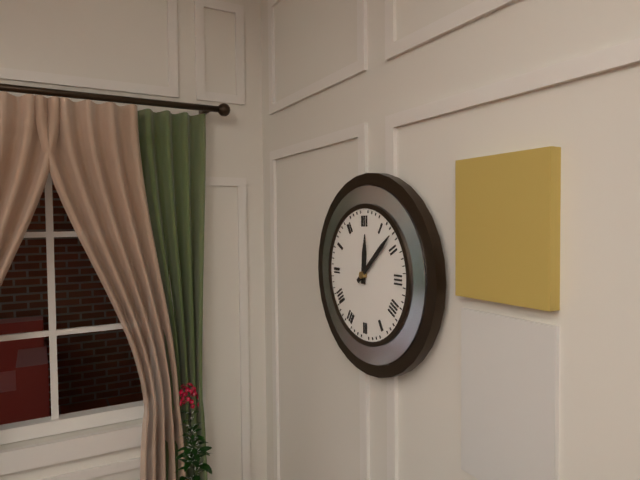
12:08
